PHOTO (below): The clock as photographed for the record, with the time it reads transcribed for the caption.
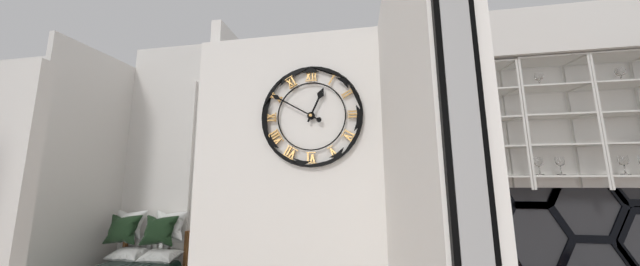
12:50
